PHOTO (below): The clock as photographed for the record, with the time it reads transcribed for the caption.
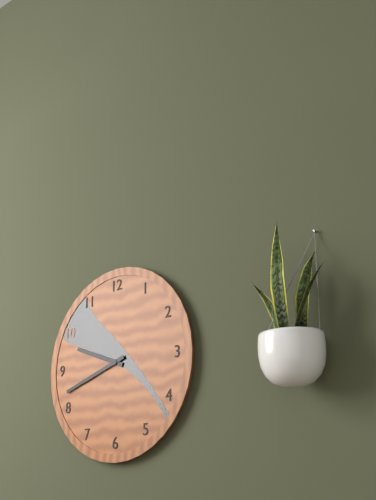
9:42
